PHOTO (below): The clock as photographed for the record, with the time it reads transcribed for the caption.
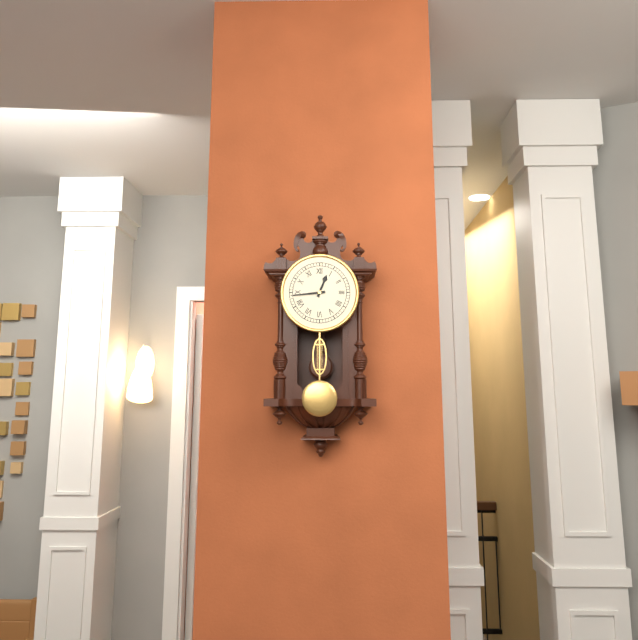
12:44
